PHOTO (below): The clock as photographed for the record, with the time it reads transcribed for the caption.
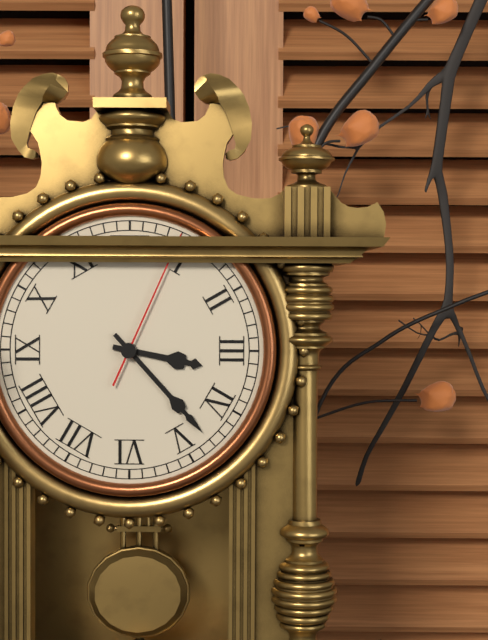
3:23:04
